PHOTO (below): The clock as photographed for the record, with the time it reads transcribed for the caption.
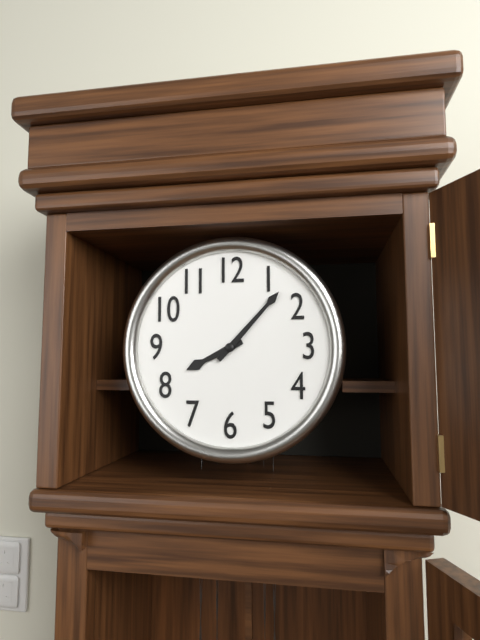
8:07
